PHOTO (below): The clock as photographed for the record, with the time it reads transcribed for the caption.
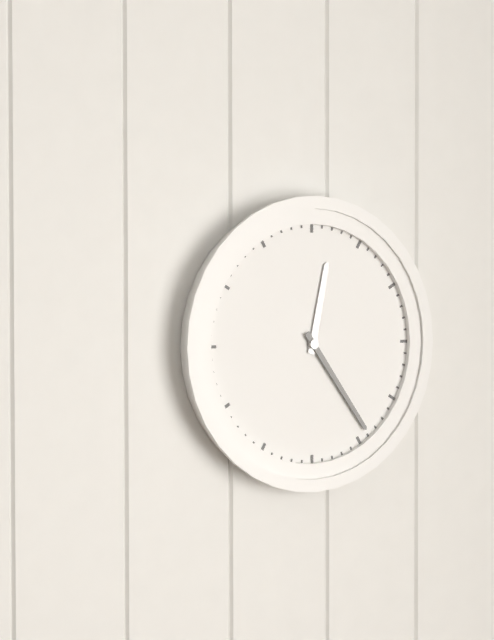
12:24
